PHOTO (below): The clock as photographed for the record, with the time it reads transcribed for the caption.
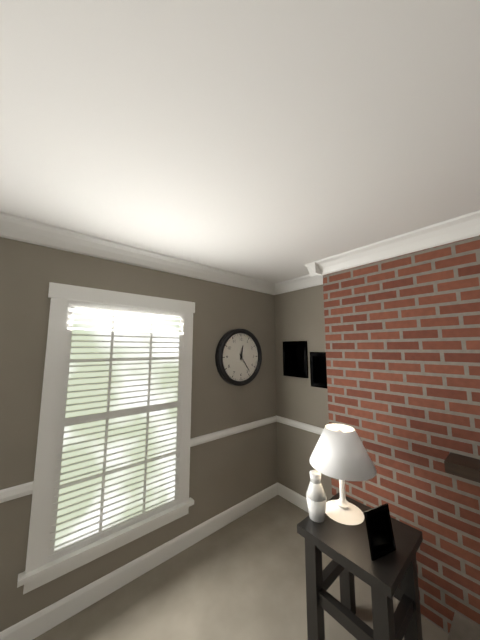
12:24
